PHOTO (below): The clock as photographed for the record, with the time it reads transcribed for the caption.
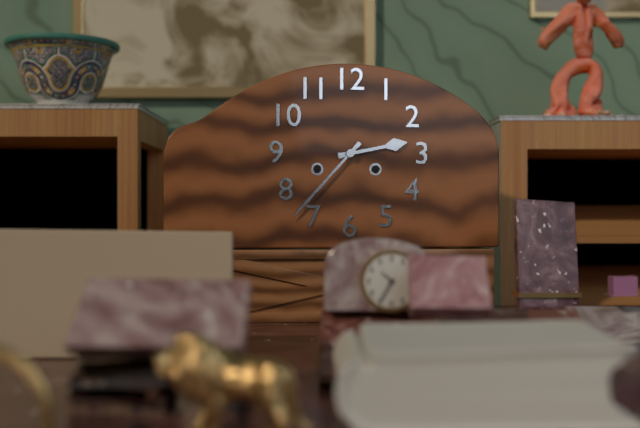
2:37
